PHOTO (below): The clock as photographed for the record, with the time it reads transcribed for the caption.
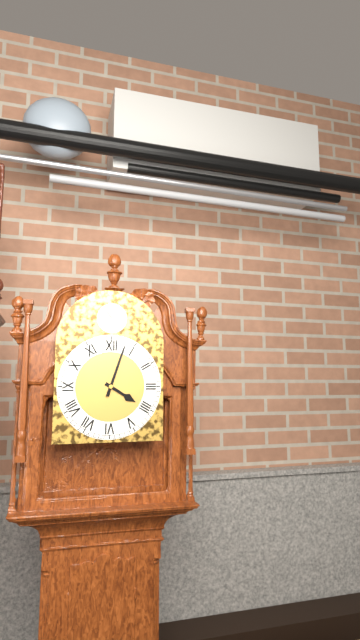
4:03
